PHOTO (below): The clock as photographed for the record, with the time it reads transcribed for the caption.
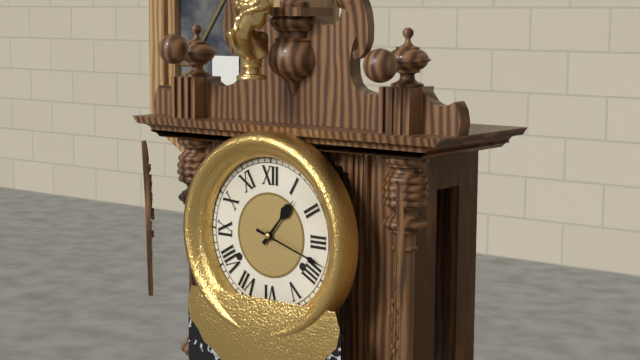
1:18
